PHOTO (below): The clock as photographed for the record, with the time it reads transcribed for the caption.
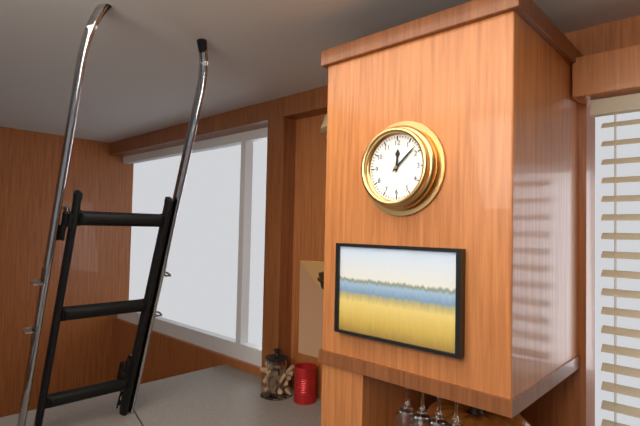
12:08
